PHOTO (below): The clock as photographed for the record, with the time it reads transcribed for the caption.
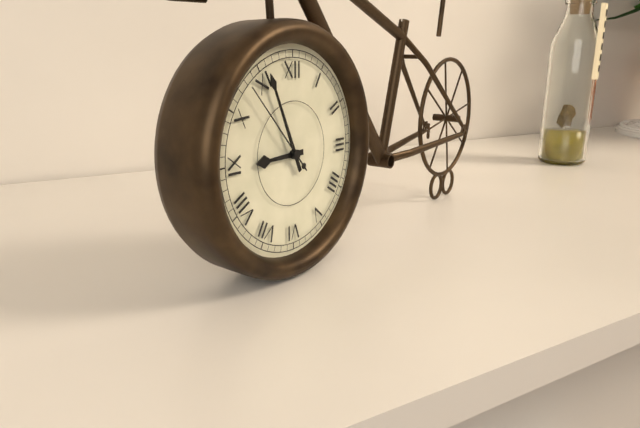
8:56:53
